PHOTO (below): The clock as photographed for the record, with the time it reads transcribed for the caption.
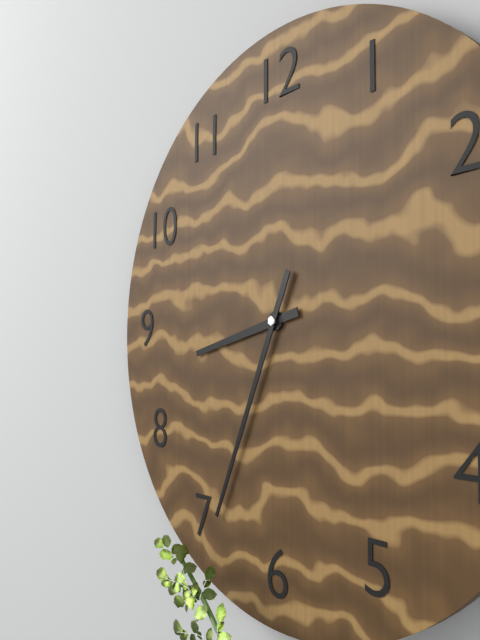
8:34
